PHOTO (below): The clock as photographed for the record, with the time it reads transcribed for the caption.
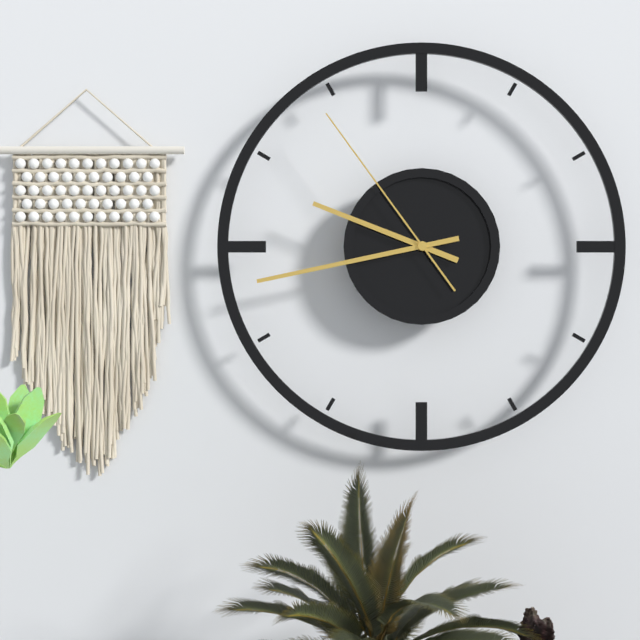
9:43:54
